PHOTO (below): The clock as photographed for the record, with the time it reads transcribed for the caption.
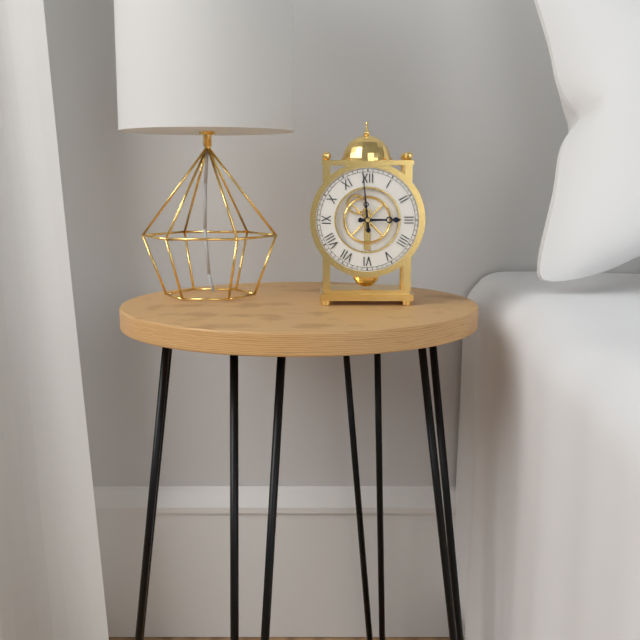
2:59
